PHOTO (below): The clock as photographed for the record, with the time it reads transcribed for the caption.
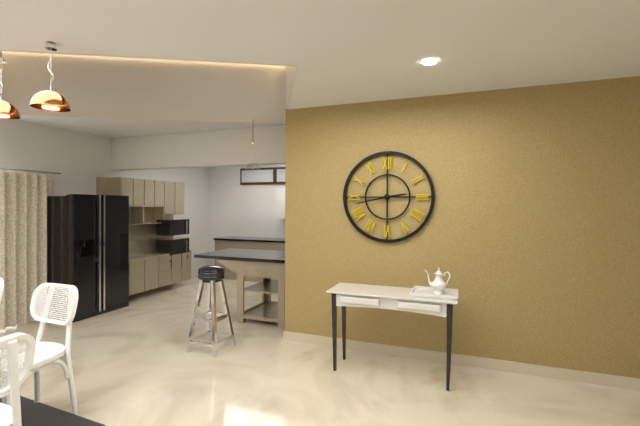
2:43
